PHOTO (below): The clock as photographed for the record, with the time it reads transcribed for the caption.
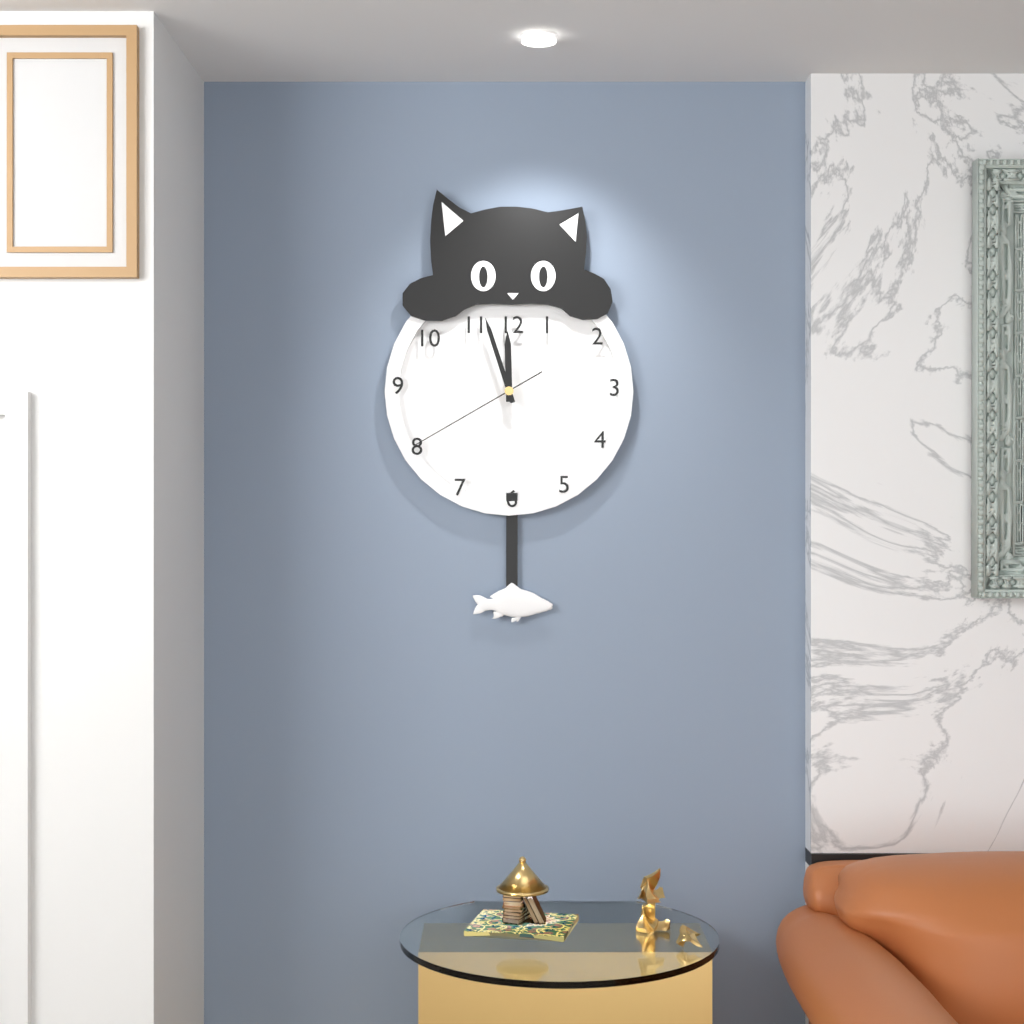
11:57:40
